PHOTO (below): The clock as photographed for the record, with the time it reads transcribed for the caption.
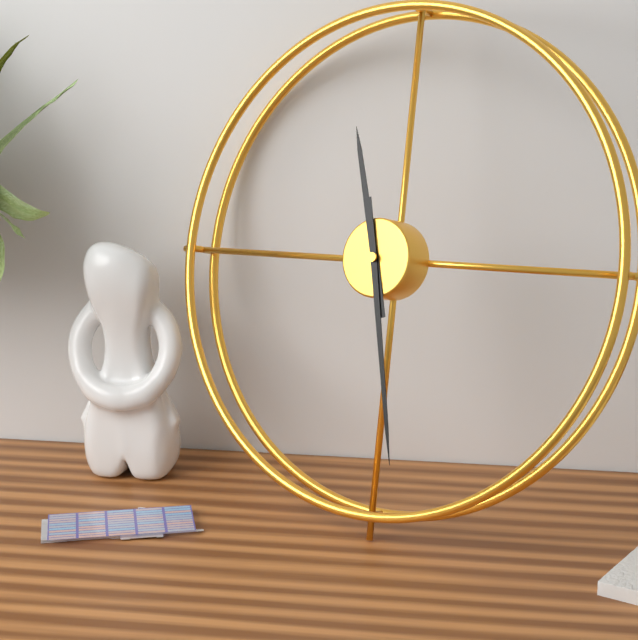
11:28
